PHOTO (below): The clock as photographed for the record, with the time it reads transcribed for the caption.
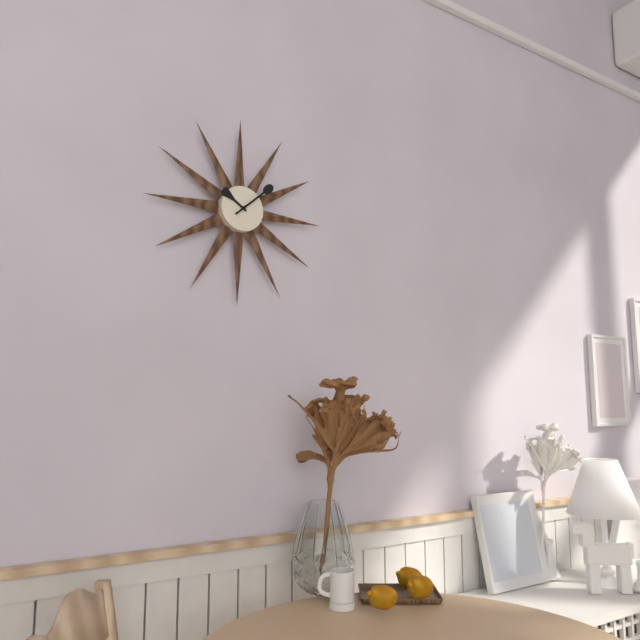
10:08
